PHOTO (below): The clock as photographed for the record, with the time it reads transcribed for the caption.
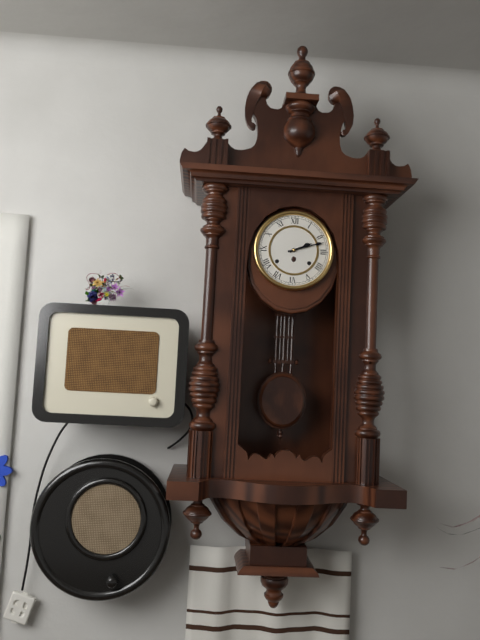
2:12
